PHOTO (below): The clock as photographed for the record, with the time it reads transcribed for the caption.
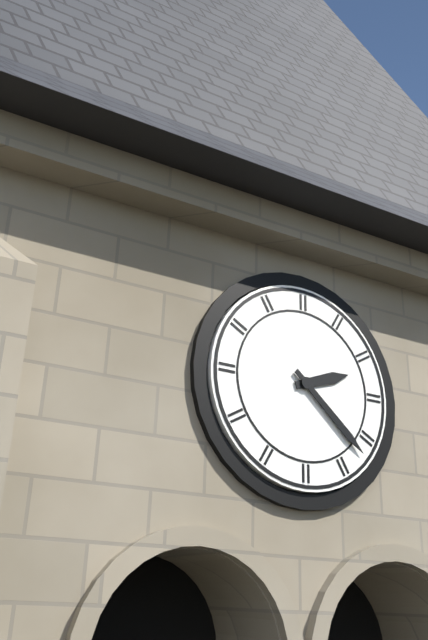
2:22
